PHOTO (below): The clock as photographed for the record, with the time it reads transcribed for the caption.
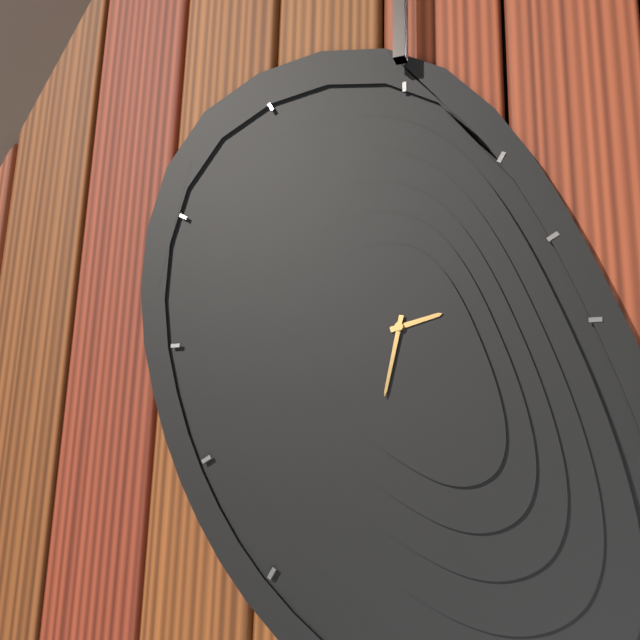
2:32
